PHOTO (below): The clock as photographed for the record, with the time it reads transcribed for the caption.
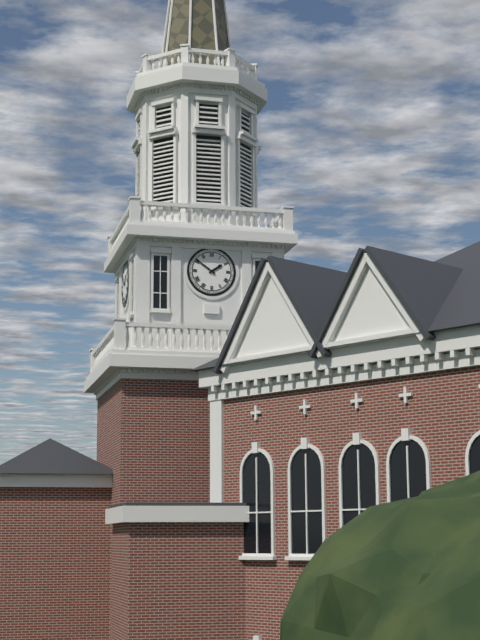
1:51
